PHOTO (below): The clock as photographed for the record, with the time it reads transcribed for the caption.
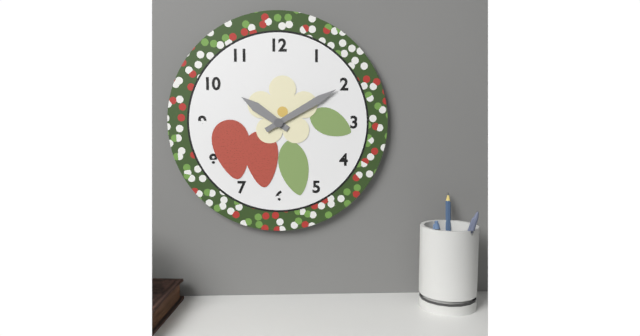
10:10
